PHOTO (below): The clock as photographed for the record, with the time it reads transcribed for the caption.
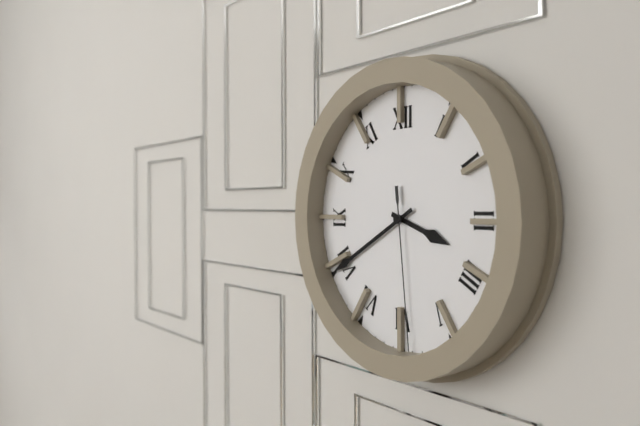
3:40:29
